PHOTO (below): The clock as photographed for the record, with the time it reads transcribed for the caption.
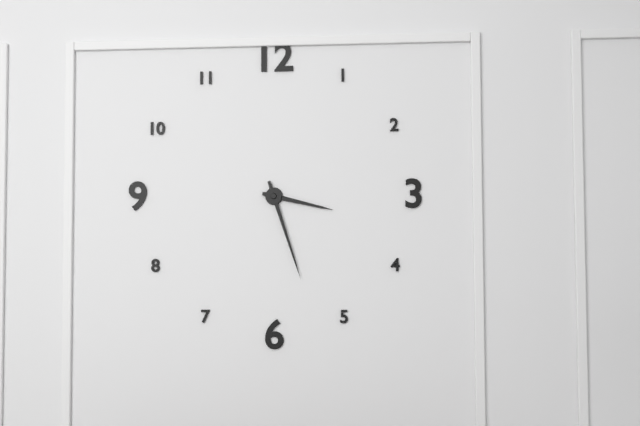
3:27
